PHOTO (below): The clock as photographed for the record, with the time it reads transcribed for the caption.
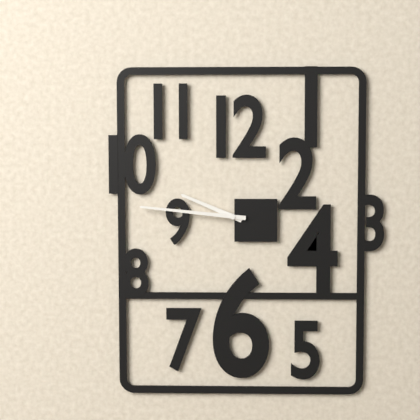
9:46
